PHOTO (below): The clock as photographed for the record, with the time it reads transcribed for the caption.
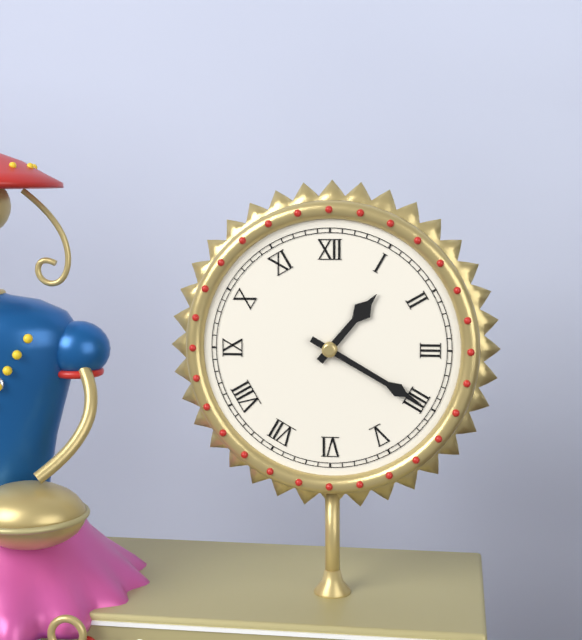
1:20
